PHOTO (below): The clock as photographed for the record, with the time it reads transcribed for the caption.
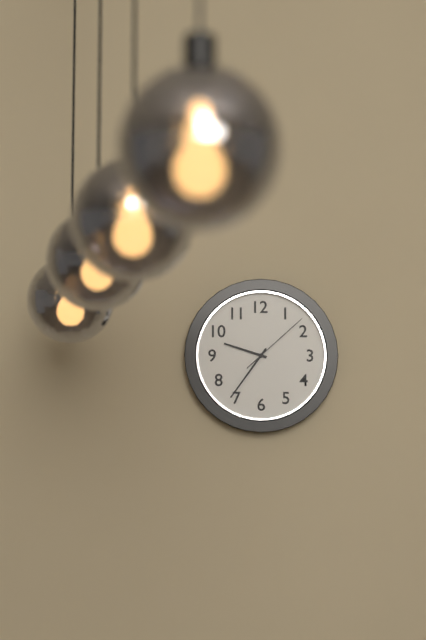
9:36:08
